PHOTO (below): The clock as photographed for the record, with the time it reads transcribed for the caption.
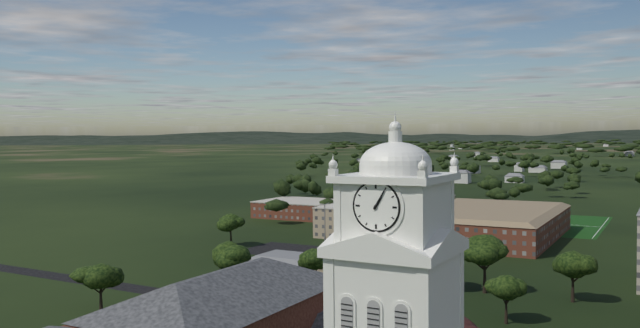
1:05
